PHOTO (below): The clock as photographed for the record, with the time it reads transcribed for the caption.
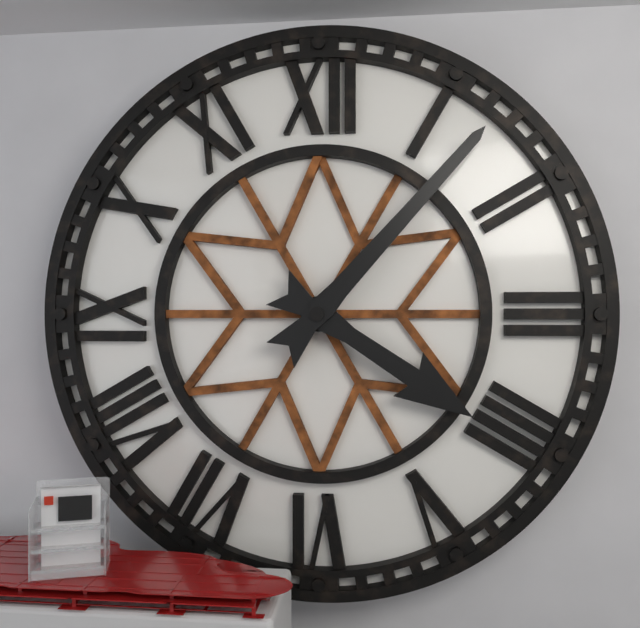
4:07
